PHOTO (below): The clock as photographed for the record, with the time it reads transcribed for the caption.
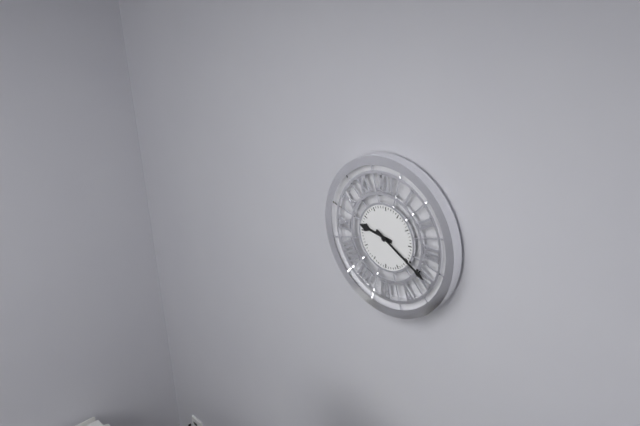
9:20
